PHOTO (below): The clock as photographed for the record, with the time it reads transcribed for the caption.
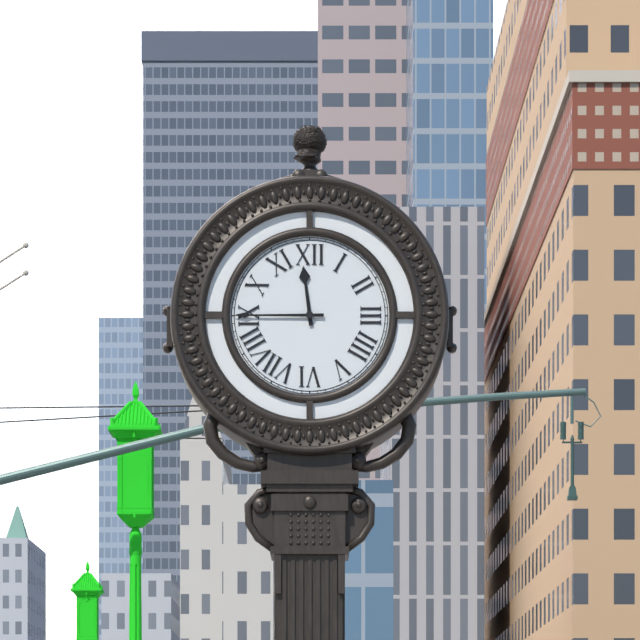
11:45
